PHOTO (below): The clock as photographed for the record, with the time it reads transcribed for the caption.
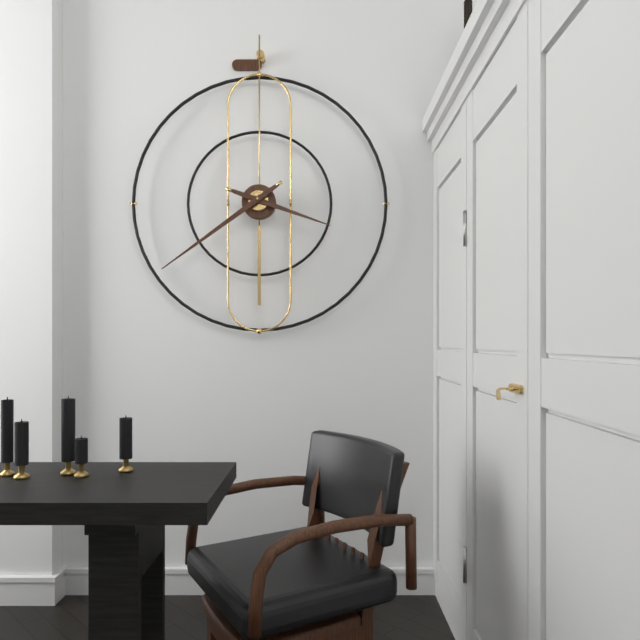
3:39
